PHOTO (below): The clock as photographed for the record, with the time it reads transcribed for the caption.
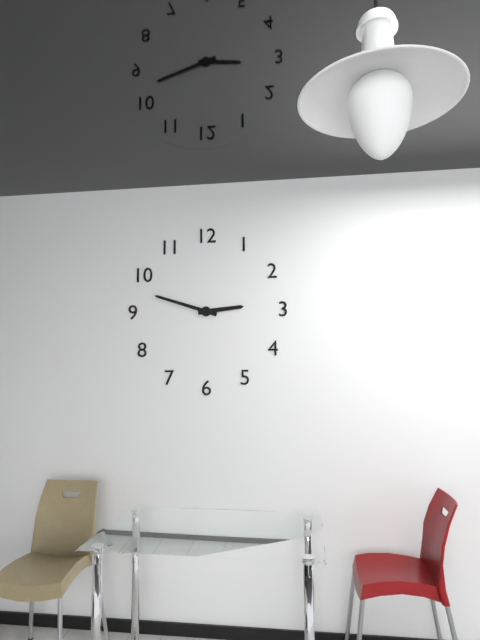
2:48
